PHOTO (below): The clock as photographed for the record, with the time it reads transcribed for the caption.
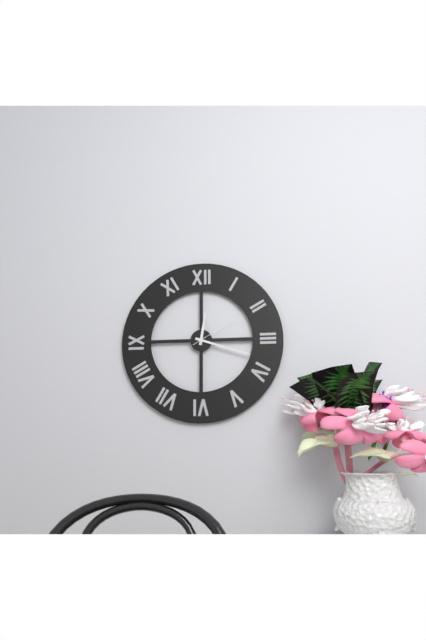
12:18
